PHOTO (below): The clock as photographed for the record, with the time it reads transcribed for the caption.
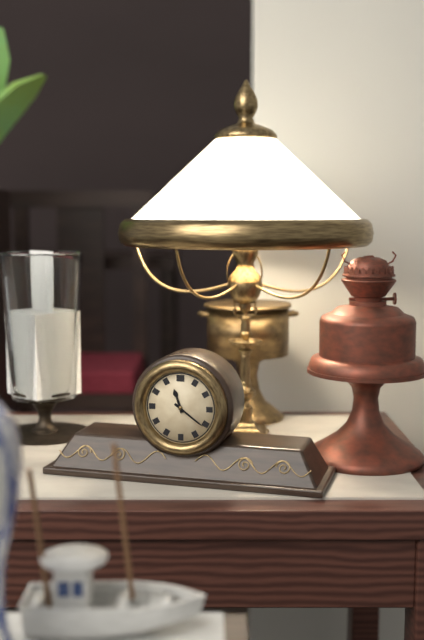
11:21
